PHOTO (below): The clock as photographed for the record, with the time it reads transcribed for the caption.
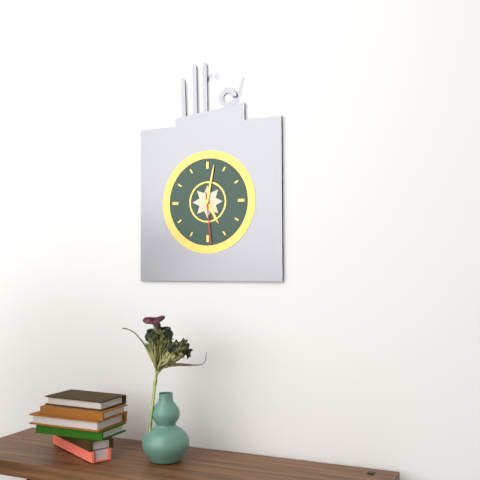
5:02:29
